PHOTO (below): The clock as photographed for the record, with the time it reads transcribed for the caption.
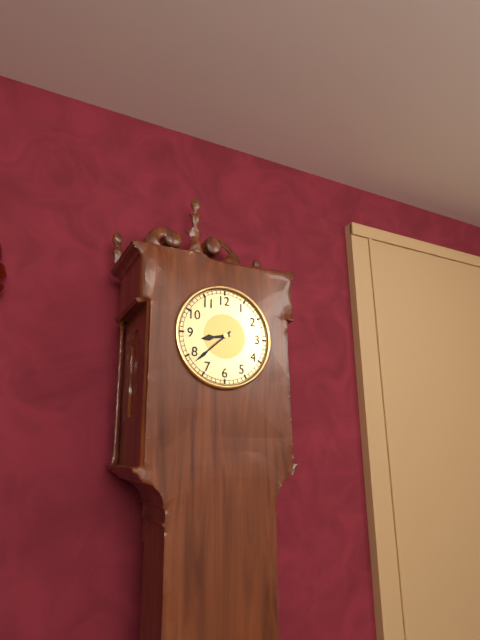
8:38
